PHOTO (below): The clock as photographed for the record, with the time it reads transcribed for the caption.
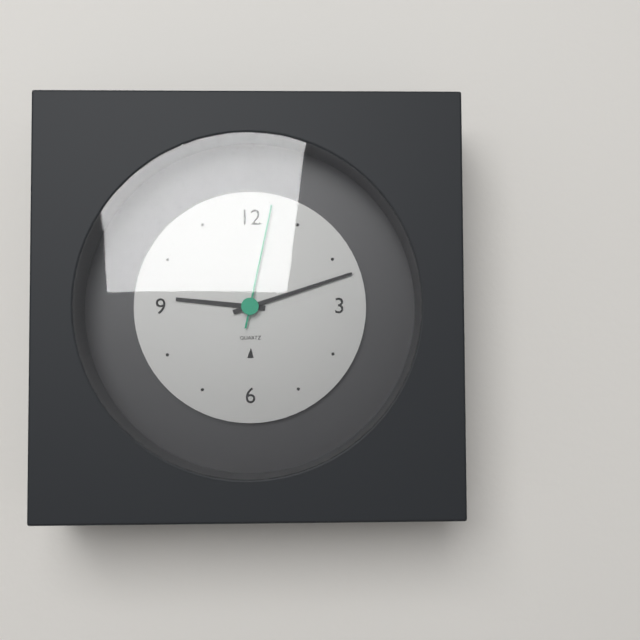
9:12:02
